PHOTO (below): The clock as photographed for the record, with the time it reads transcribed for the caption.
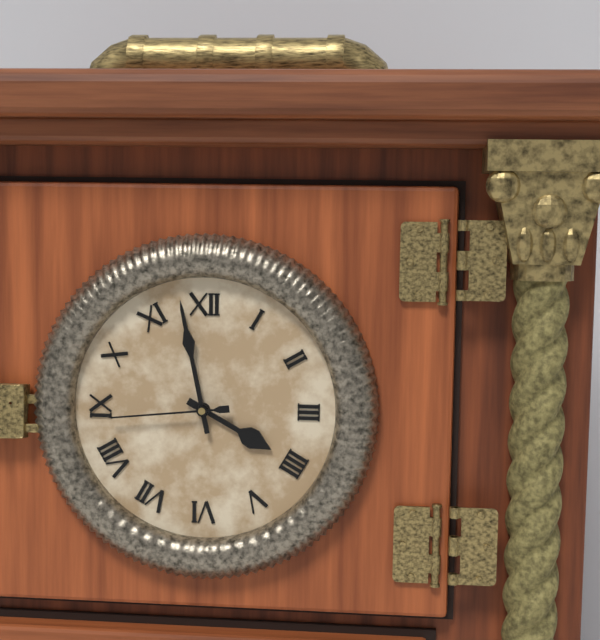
3:58:44
